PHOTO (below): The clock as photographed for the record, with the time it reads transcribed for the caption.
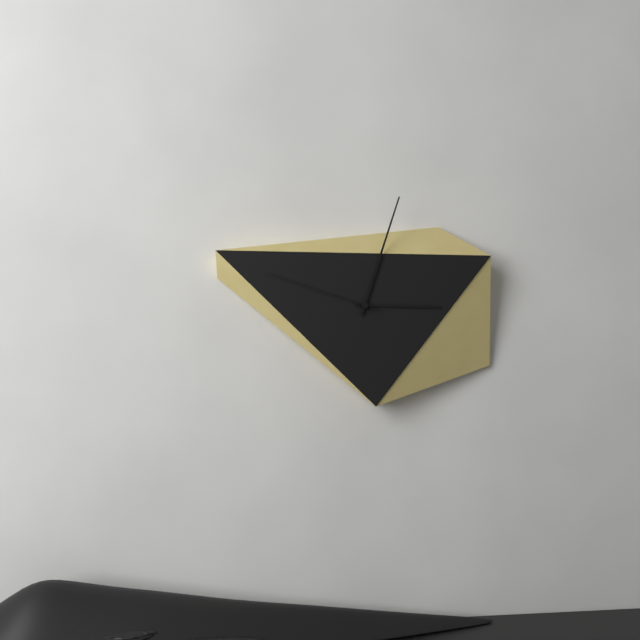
3:03:48
